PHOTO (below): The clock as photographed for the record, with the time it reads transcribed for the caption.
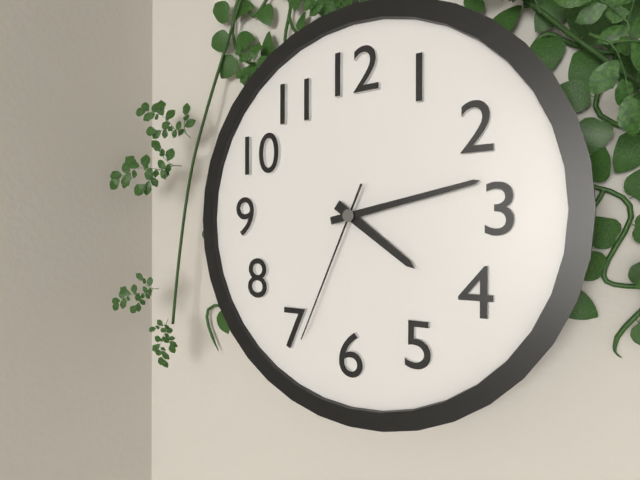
4:13:34
